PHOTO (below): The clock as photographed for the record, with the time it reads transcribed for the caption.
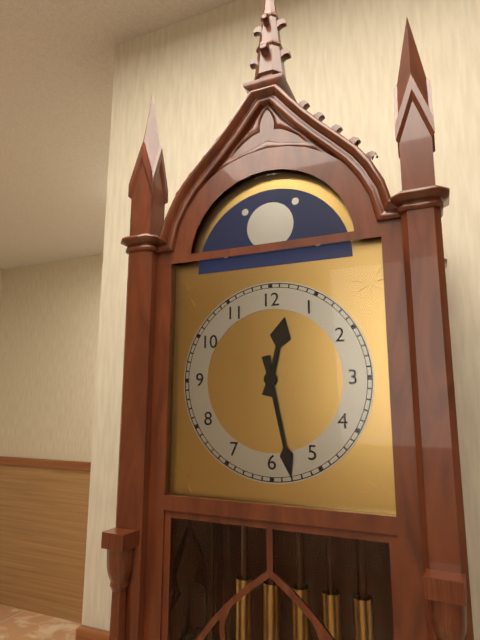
12:28
